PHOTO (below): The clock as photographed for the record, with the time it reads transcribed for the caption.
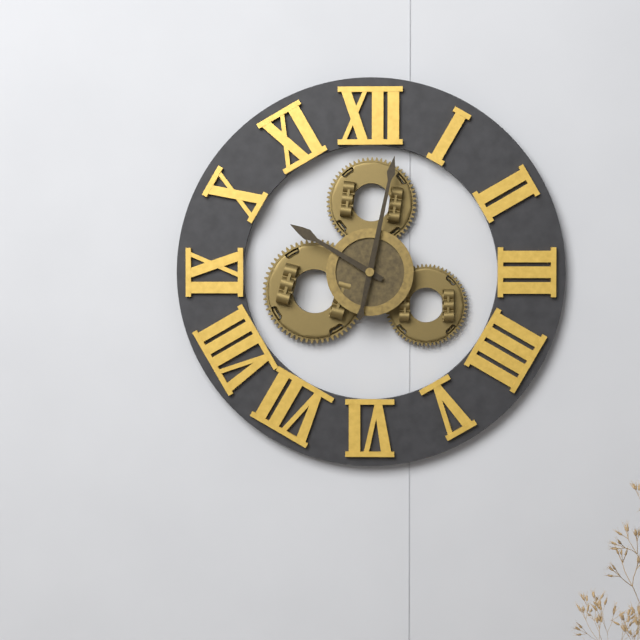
10:02
